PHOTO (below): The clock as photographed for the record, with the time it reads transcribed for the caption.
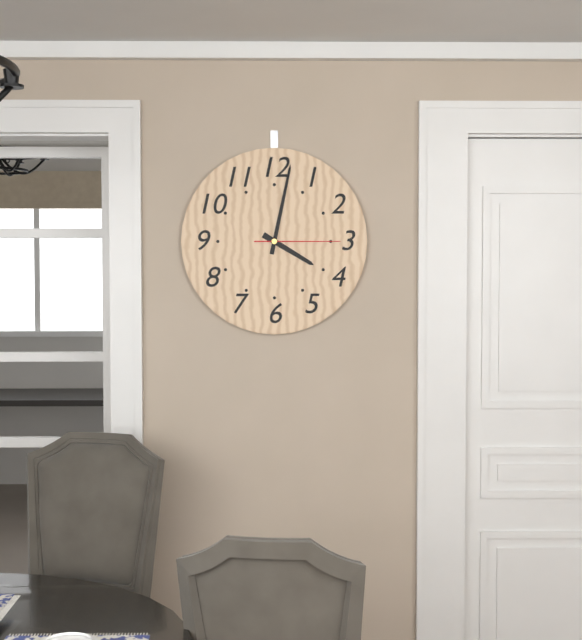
4:02:15
